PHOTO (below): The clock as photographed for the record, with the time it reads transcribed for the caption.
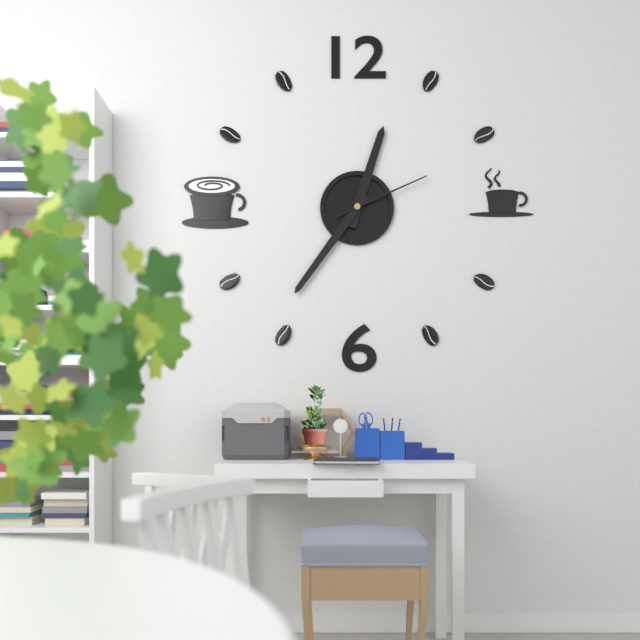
12:36:11
